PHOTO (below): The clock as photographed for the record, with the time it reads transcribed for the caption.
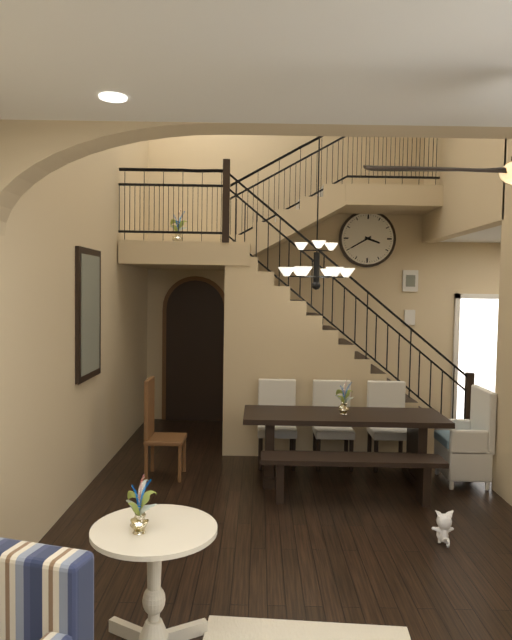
3:40
